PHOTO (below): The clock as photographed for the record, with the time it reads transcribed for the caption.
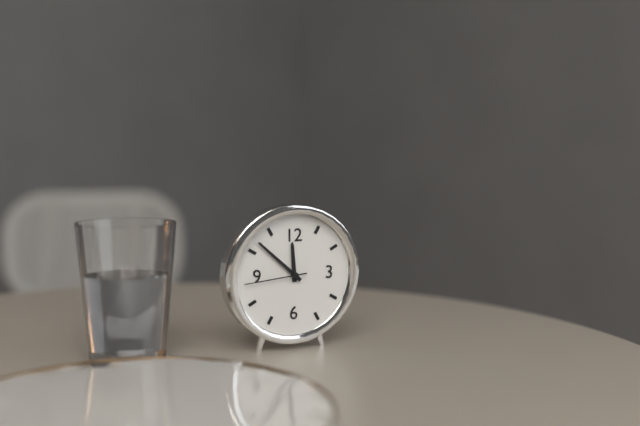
11:52:44
